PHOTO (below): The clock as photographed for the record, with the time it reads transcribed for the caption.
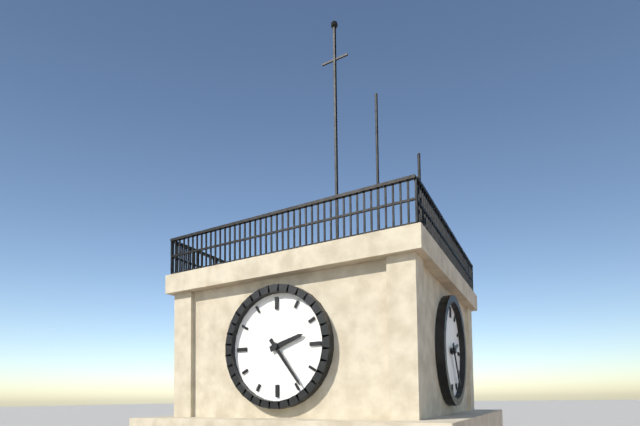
2:24
